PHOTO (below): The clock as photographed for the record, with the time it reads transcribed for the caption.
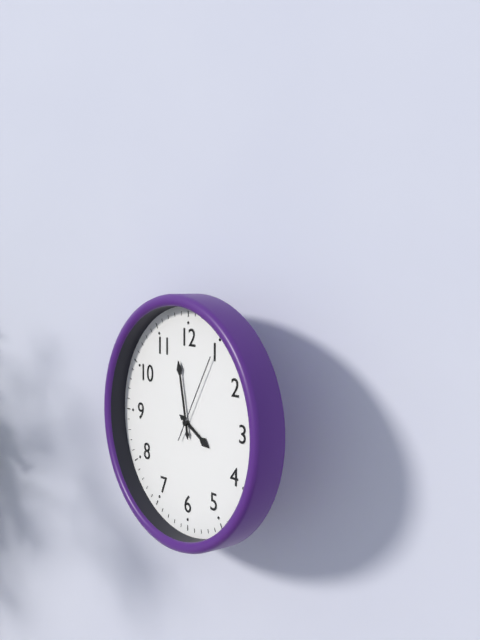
3:58:05
